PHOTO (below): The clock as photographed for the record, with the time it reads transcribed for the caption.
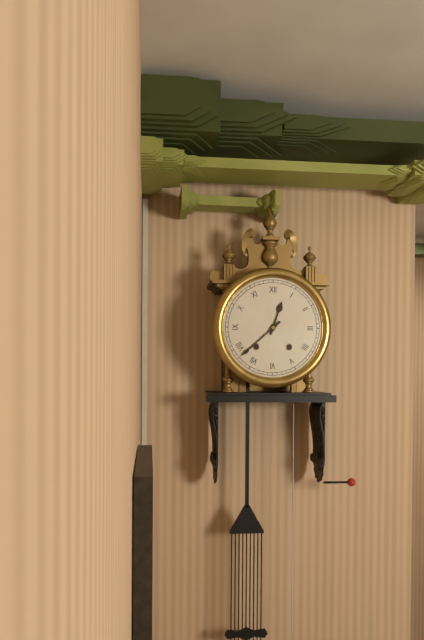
12:38
